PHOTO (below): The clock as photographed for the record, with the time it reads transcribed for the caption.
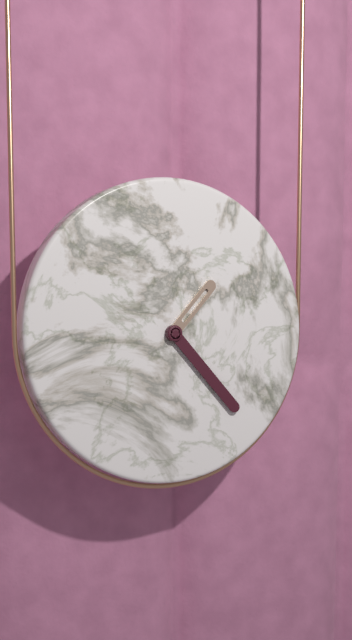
1:23
